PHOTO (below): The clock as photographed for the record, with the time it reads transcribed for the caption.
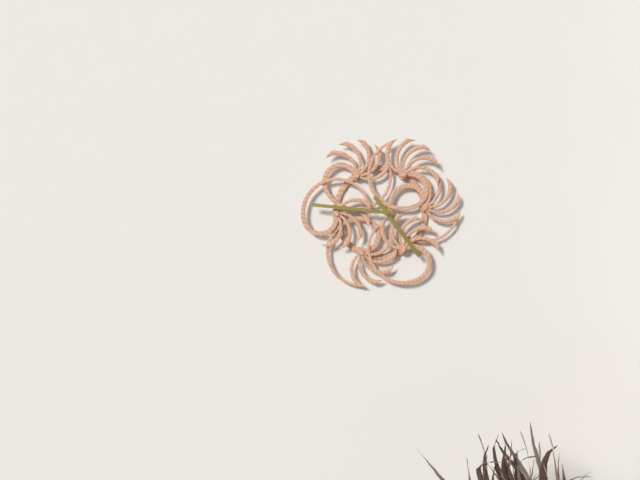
4:46
